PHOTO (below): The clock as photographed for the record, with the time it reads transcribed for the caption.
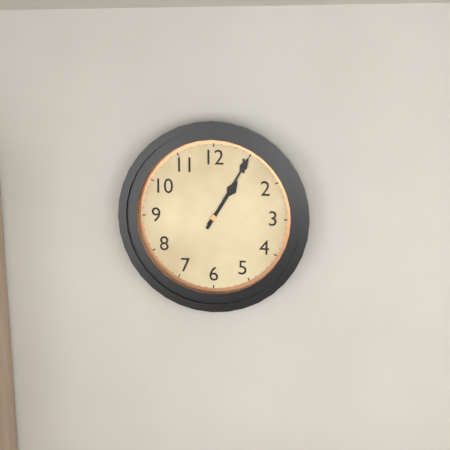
1:05
